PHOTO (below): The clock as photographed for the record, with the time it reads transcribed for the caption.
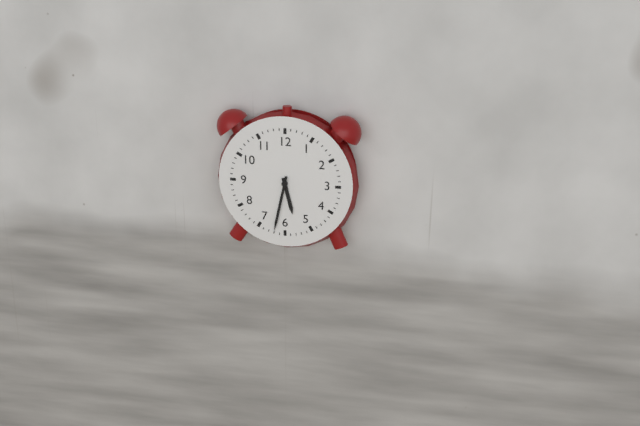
5:32
